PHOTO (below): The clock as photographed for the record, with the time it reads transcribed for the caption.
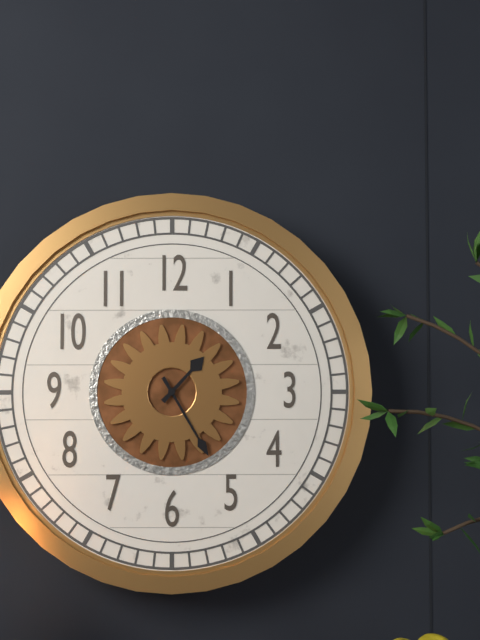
1:25
